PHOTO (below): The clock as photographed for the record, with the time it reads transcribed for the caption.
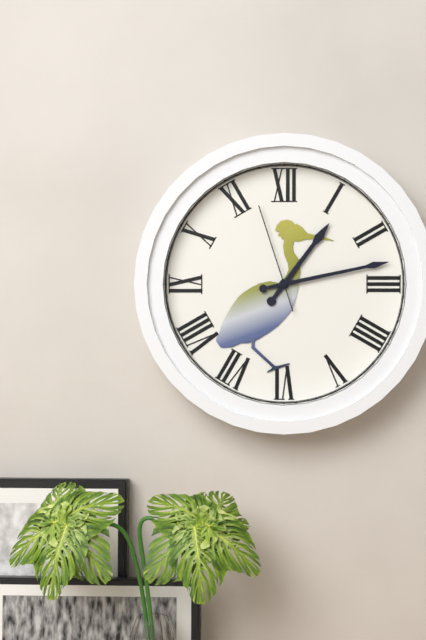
1:13:57
